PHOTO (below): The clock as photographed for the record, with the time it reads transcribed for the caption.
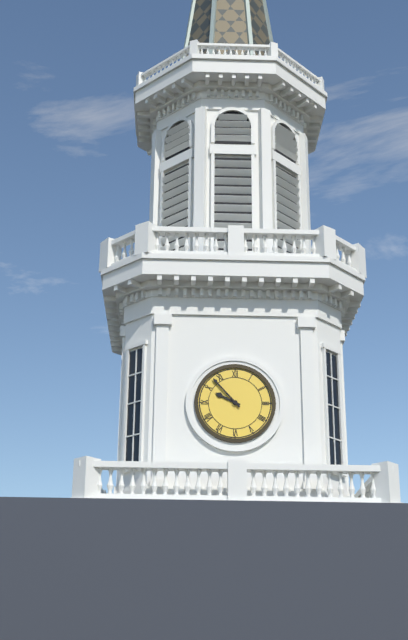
9:53
